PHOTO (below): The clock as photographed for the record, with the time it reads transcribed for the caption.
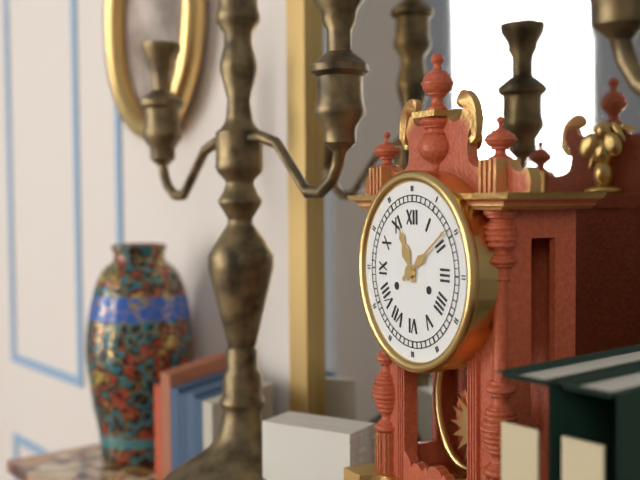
11:09
